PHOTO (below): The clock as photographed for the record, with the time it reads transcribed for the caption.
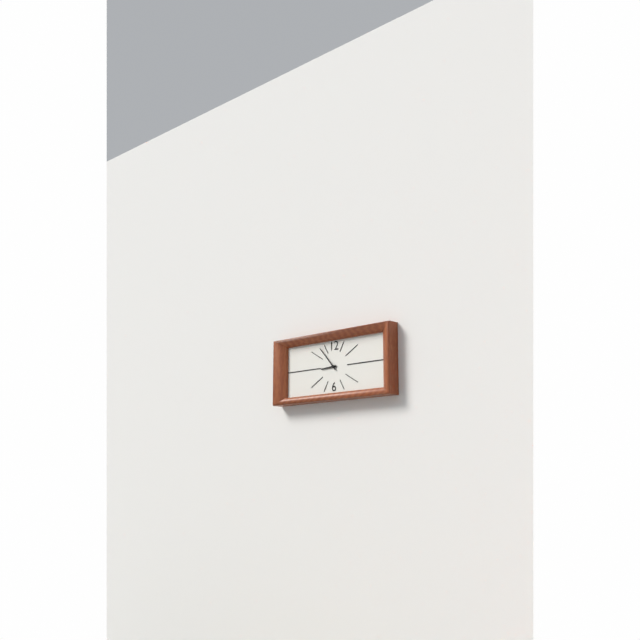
8:53
